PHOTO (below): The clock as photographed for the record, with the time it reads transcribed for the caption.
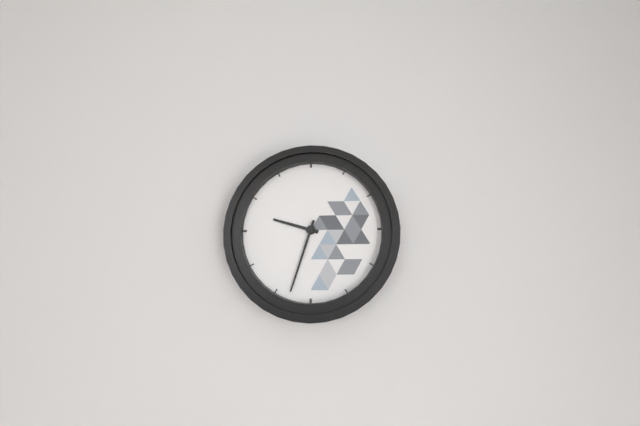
9:33
